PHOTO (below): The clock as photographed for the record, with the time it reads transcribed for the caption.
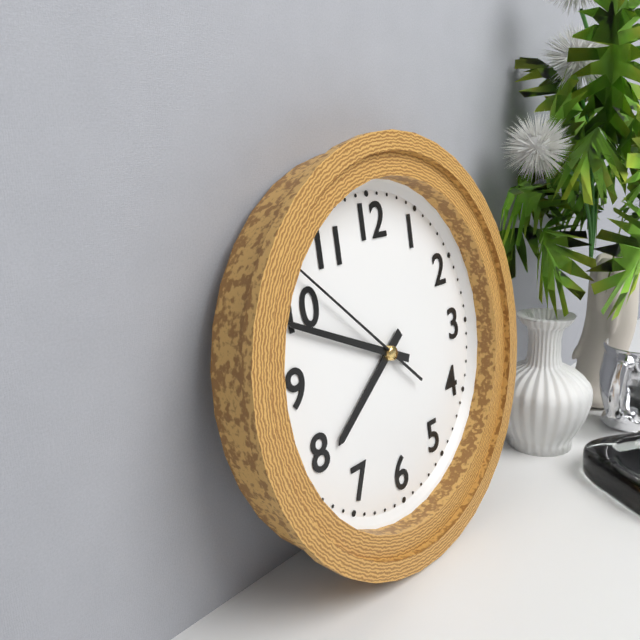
7:49:52
